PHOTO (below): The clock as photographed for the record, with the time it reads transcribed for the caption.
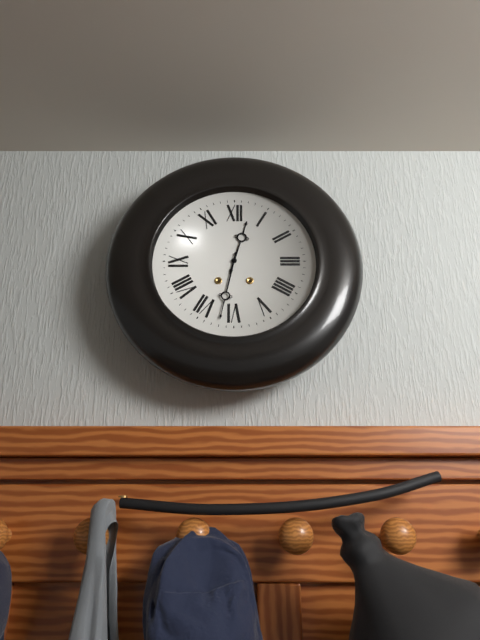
12:32
